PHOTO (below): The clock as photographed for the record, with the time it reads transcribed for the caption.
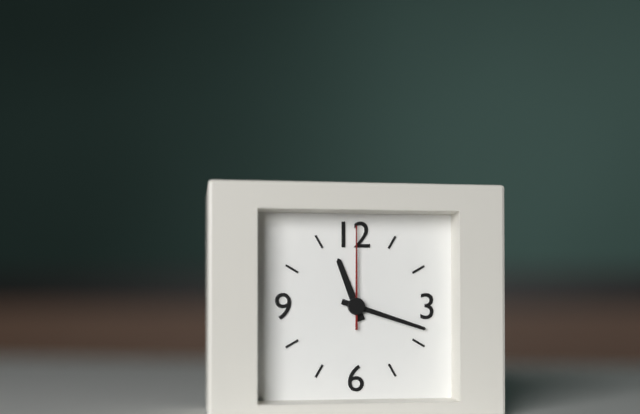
11:18:00
